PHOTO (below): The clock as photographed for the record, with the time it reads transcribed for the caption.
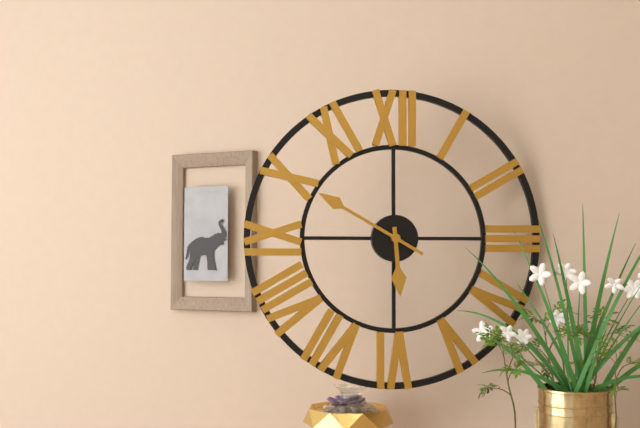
5:50
